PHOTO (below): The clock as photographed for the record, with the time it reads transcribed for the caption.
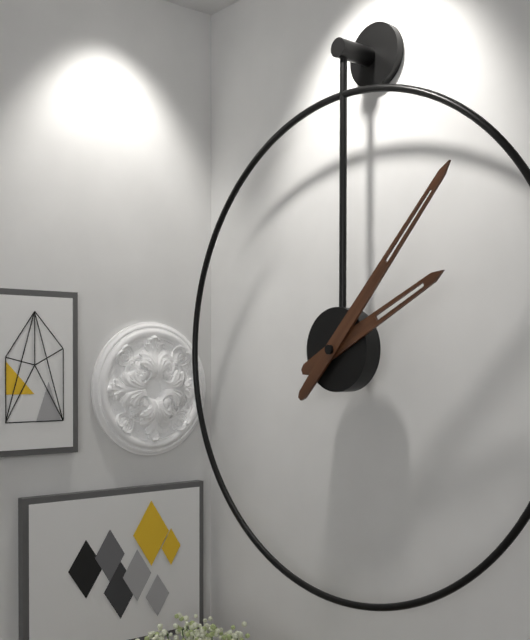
2:07
